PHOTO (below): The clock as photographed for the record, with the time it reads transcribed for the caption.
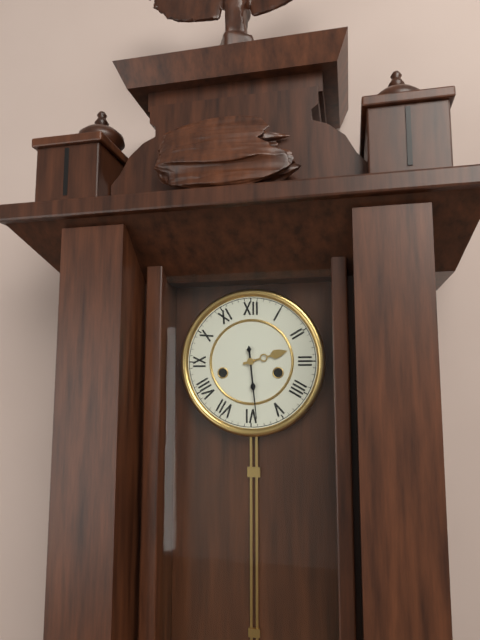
2:29
